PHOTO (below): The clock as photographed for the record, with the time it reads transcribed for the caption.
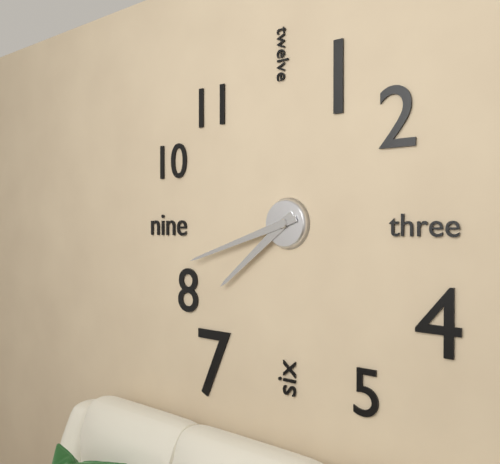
7:42
